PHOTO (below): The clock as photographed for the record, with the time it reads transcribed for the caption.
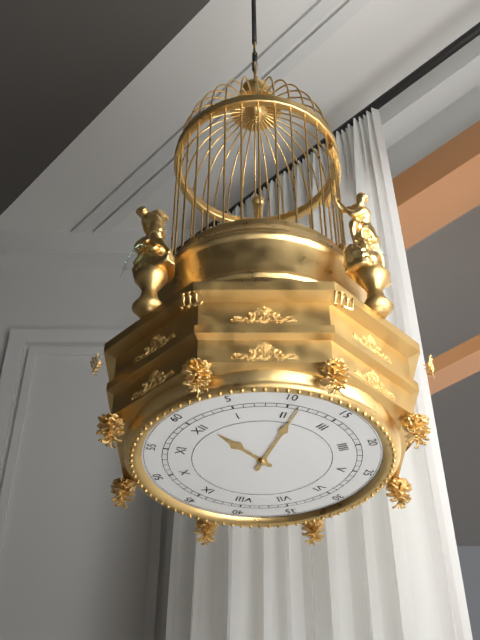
12:11
